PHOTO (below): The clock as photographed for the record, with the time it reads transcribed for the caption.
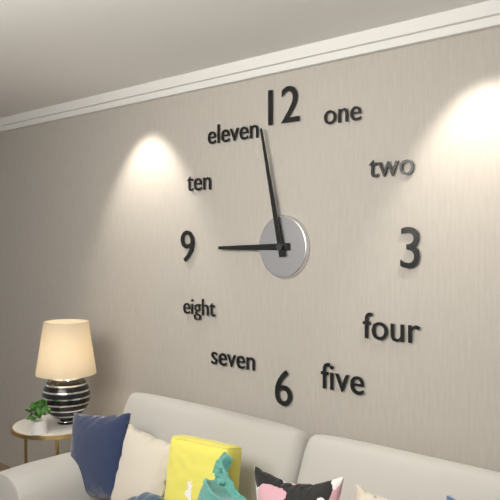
8:58
